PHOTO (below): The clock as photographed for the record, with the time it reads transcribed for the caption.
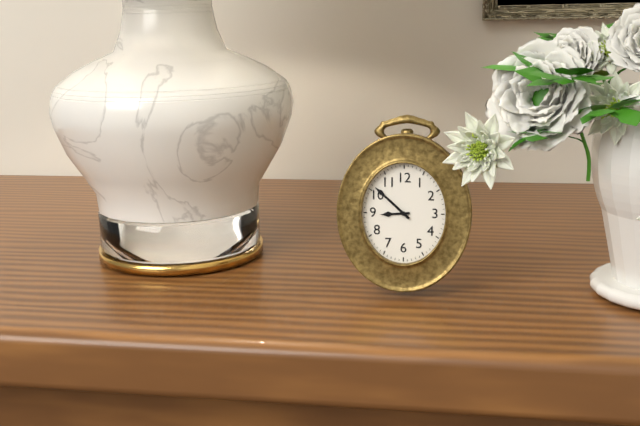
8:52
